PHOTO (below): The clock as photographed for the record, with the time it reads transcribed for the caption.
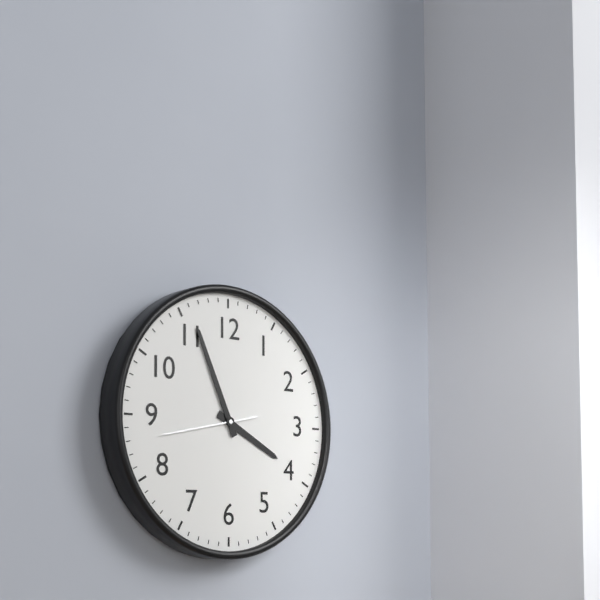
3:56:43
